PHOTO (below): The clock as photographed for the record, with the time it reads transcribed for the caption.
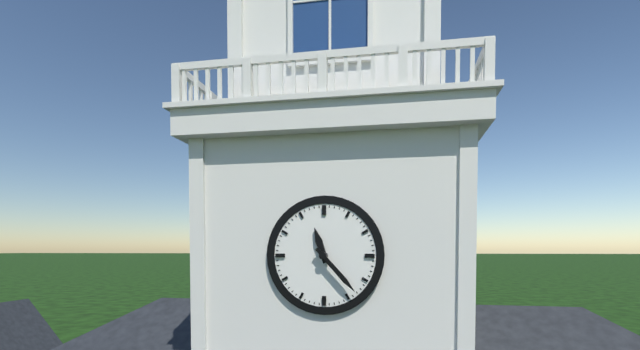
11:23
